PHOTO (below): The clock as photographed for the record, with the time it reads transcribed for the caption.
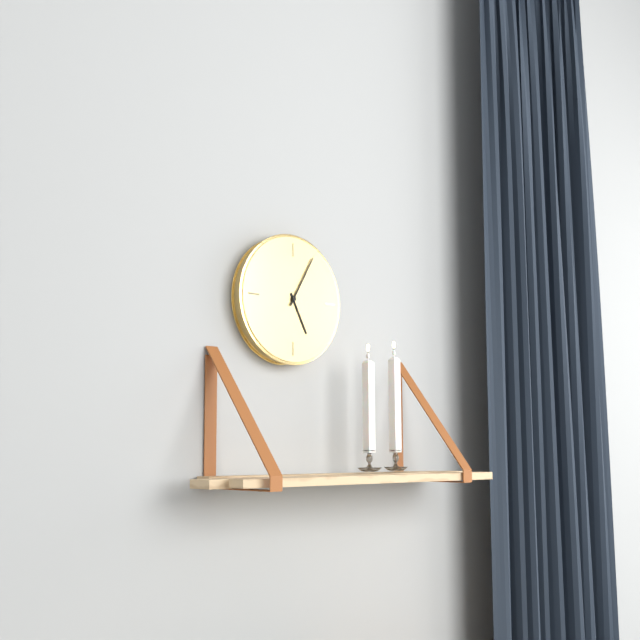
5:05
